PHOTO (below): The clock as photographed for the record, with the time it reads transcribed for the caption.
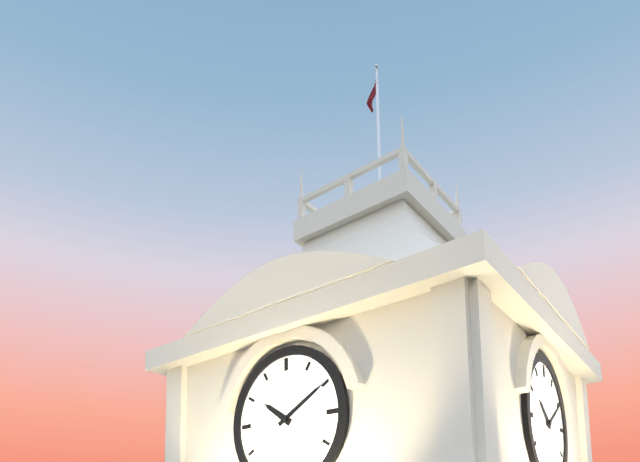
10:10
